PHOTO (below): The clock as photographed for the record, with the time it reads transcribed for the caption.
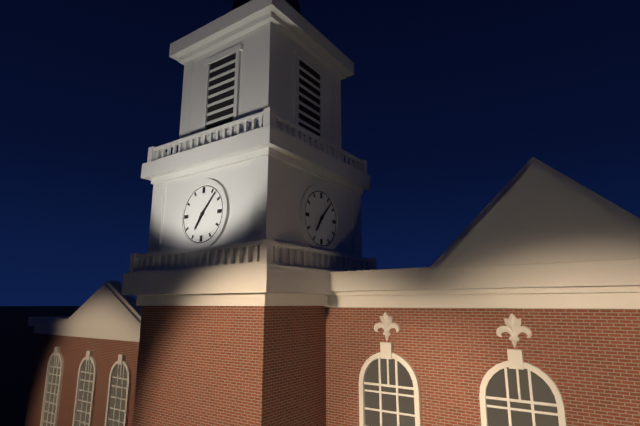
7:07
